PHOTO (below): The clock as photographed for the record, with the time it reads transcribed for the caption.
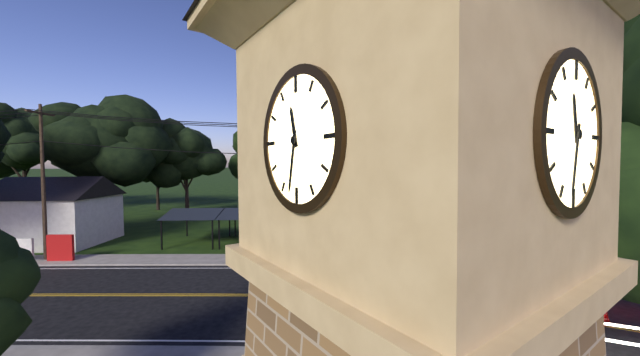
11:32
